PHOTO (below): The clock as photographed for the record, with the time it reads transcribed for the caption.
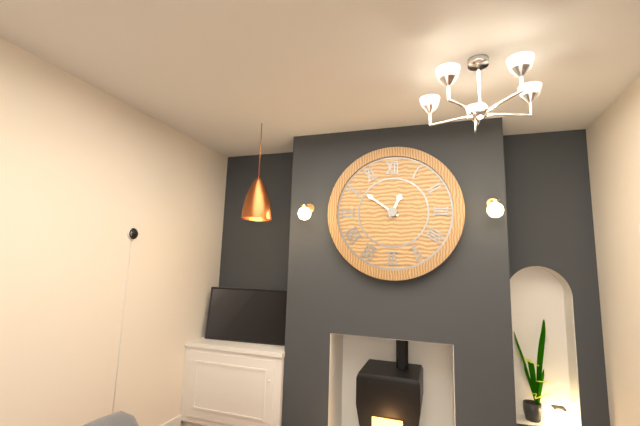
12:51
